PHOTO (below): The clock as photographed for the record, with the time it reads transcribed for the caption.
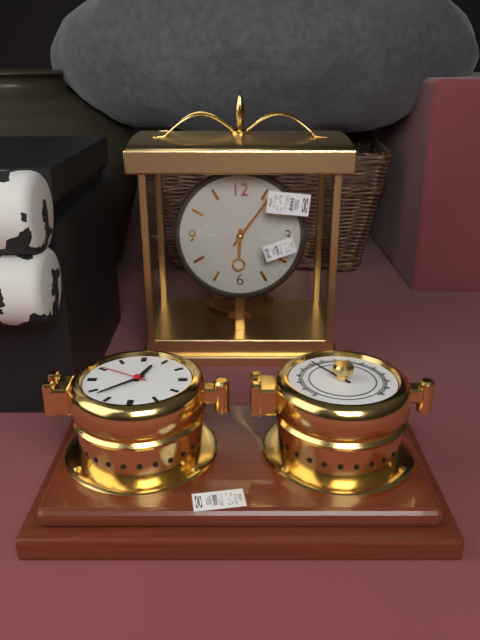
6:06
